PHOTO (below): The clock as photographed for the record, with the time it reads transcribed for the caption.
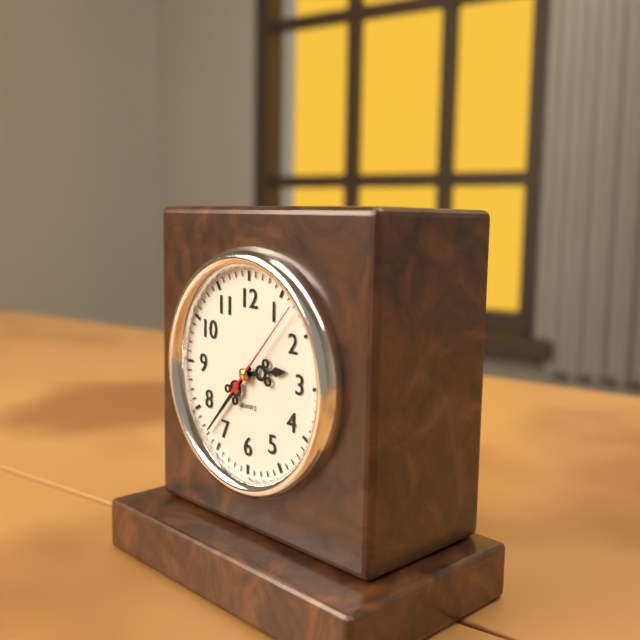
2:37:07
